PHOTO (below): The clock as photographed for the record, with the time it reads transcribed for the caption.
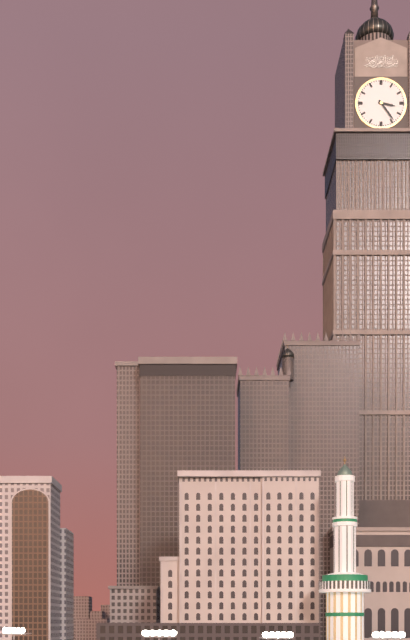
3:24
